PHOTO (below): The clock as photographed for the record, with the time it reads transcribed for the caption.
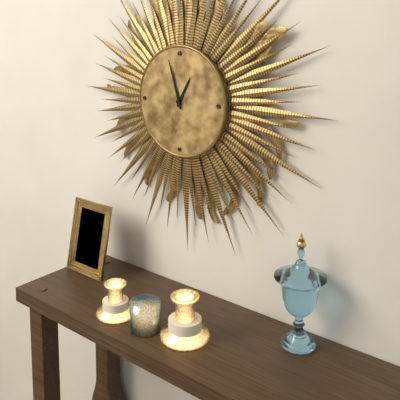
12:57
